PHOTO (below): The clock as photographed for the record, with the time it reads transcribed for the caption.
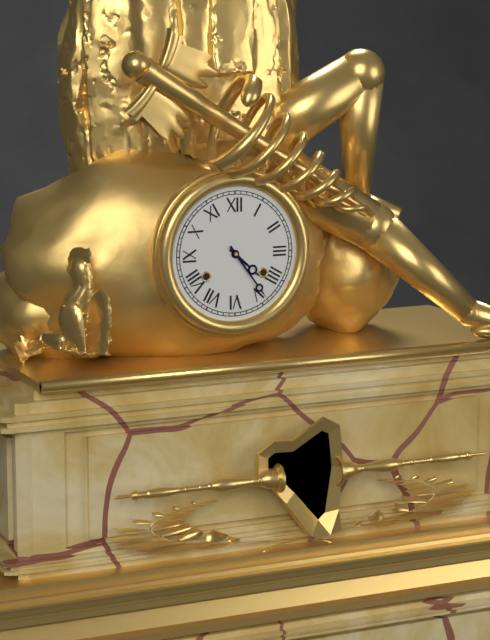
4:24
